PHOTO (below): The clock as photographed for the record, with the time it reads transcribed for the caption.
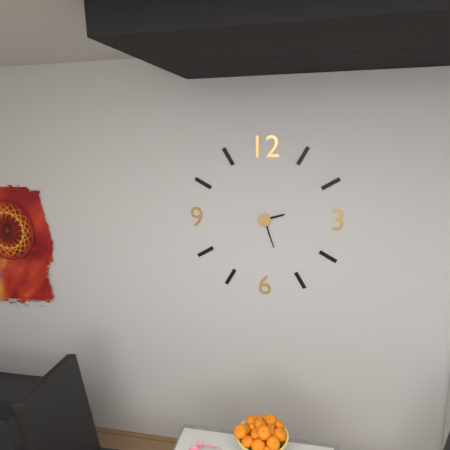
2:27
